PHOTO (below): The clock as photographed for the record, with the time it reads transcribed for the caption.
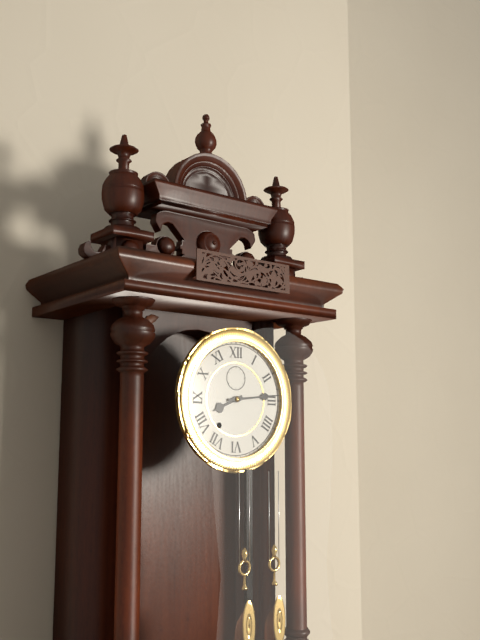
8:14
